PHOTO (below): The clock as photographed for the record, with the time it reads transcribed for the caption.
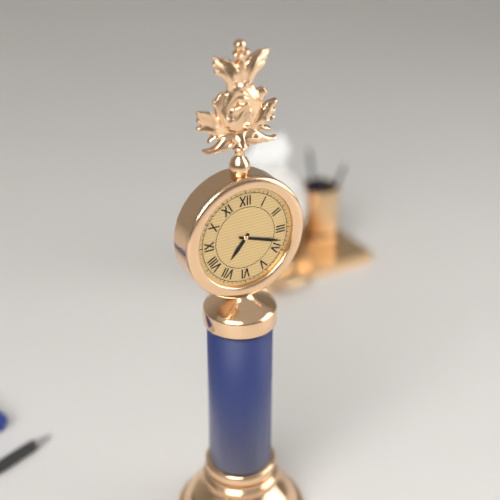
7:18
